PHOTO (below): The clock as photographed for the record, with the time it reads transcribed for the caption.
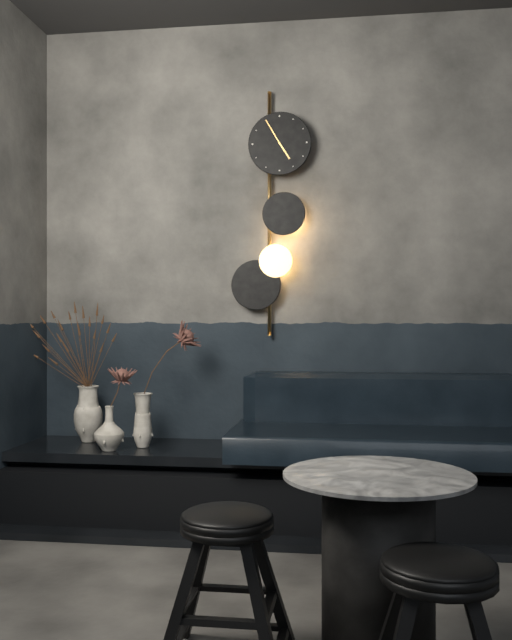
4:55
